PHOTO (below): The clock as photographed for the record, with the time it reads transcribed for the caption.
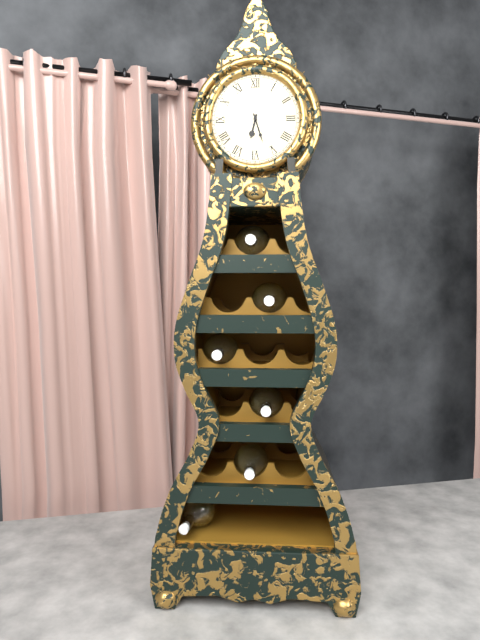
6:27
